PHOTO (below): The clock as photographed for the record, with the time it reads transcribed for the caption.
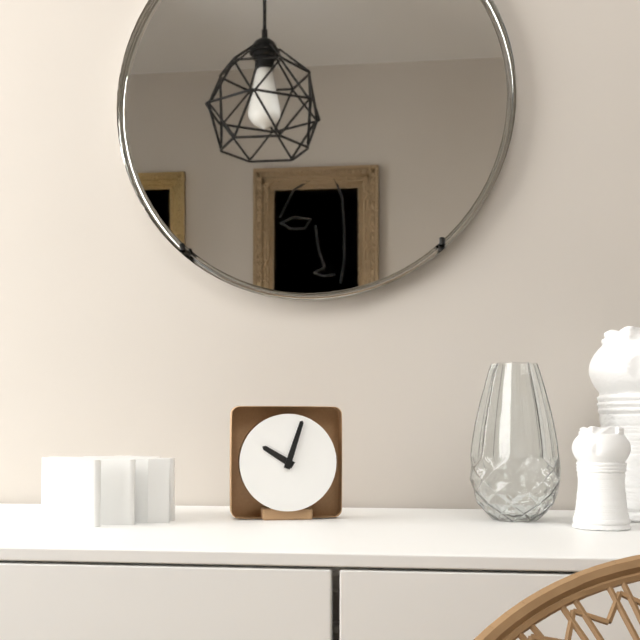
10:03
